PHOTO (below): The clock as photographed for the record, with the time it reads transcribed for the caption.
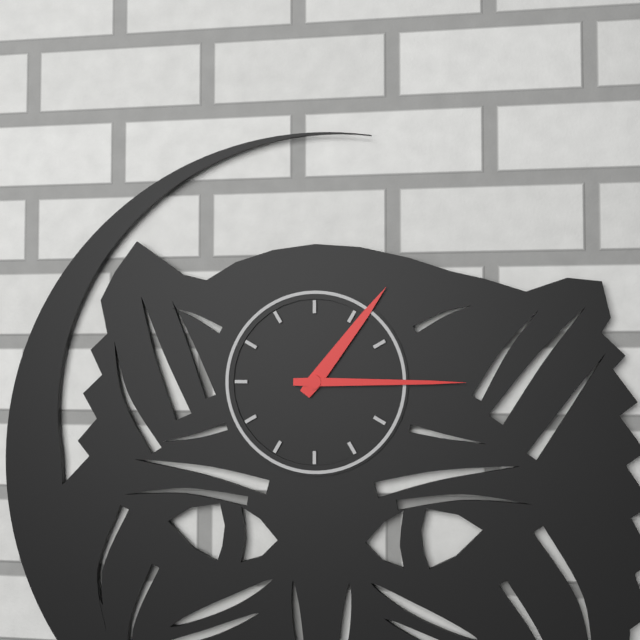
1:15
